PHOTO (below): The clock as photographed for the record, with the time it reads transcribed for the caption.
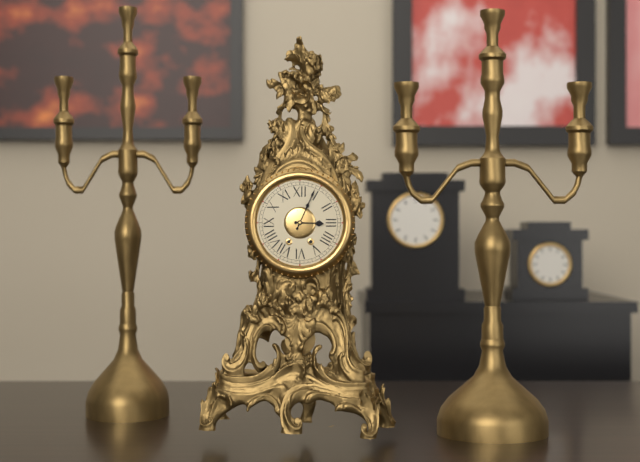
3:04
